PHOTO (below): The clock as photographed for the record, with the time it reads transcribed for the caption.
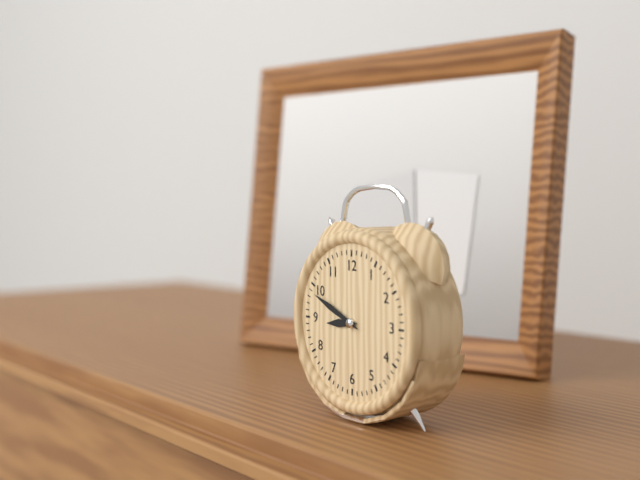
8:49
